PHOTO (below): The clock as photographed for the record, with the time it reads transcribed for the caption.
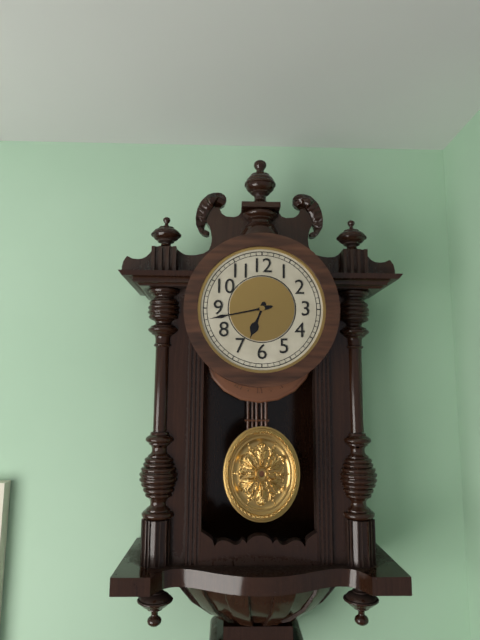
6:43
